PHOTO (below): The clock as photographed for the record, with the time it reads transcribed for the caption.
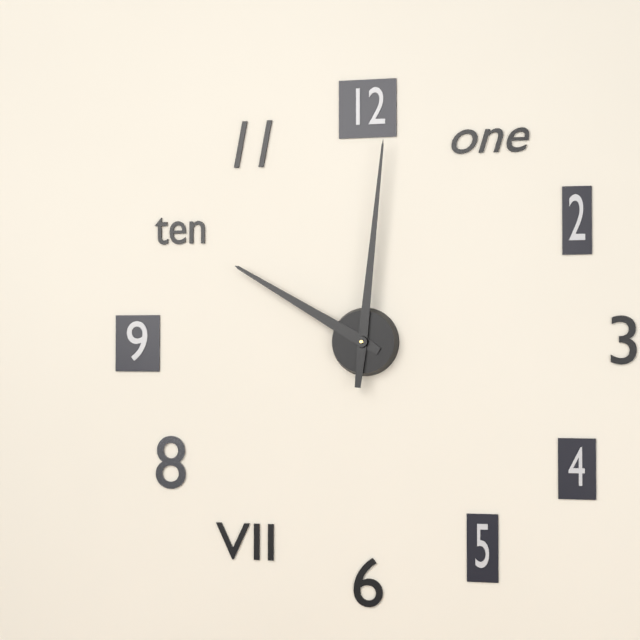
10:01
